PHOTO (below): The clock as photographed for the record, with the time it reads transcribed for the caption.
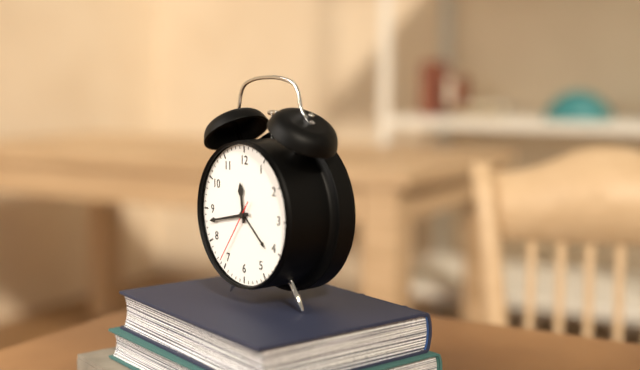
11:43:36
